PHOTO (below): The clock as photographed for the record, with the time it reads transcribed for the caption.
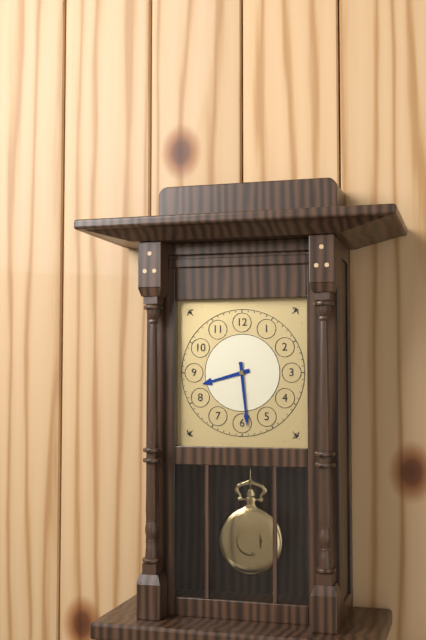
8:29
